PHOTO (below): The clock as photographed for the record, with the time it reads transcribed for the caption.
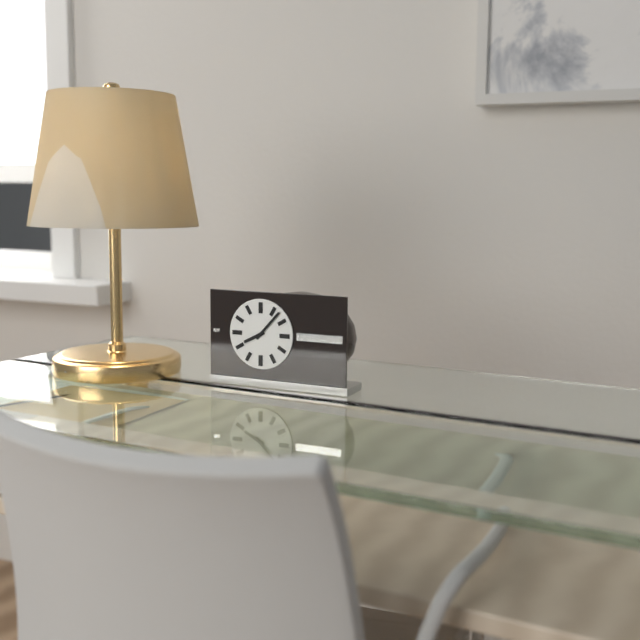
8:07
